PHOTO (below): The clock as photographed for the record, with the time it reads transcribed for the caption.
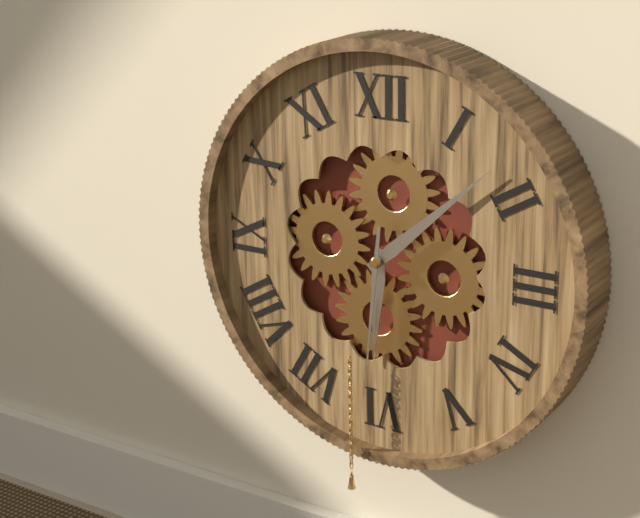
6:08:31
